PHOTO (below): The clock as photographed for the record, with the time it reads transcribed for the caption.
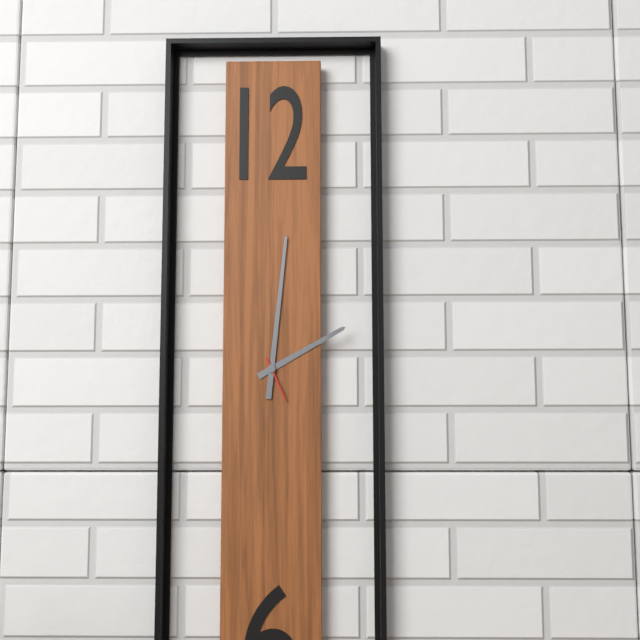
2:01
